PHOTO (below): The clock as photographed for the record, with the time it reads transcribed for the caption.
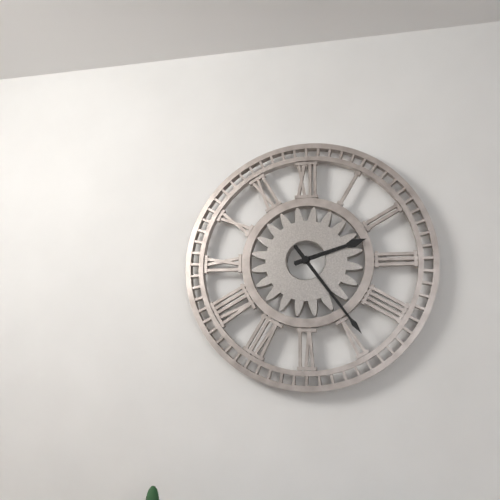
2:24
